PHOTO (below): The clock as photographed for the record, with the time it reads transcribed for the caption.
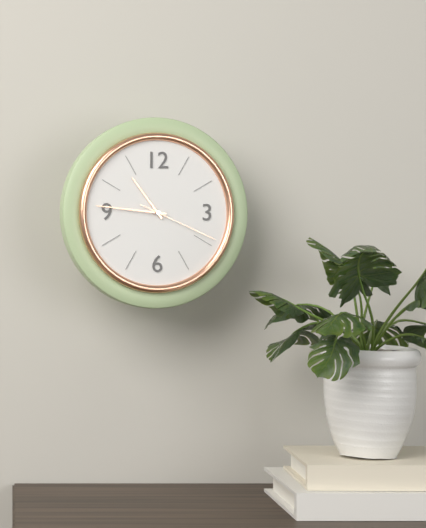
10:46:19
